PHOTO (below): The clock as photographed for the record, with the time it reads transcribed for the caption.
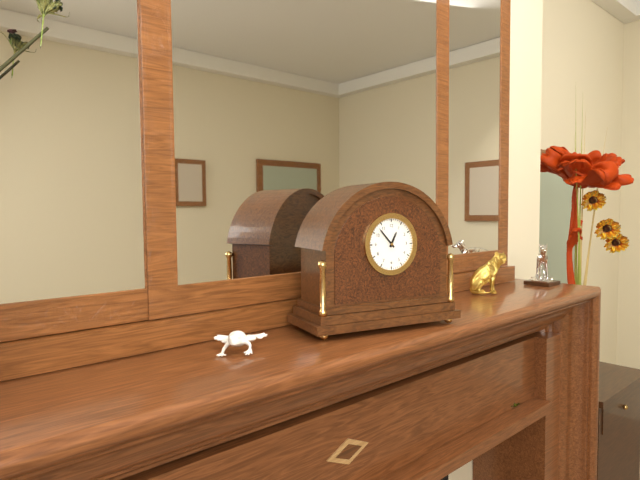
12:53
